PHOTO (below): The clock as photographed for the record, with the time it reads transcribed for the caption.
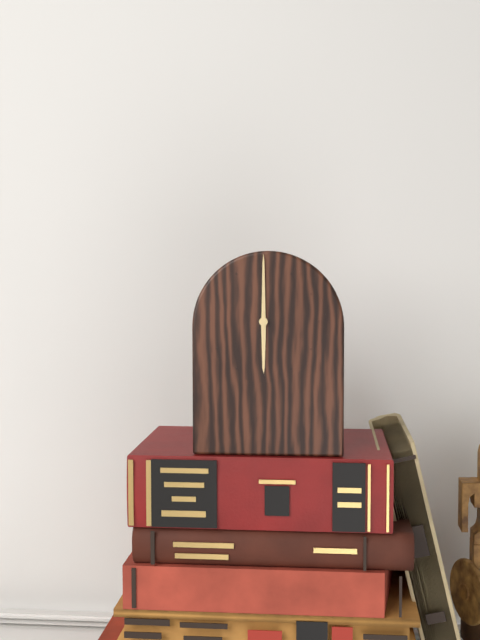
6:00
